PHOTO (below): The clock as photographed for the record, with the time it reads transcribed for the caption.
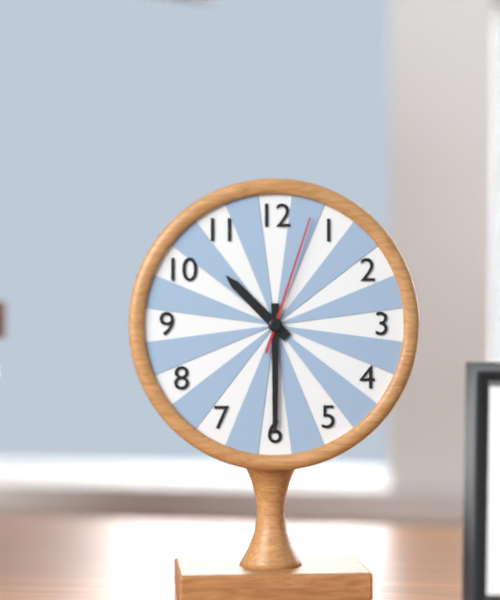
10:30:03
